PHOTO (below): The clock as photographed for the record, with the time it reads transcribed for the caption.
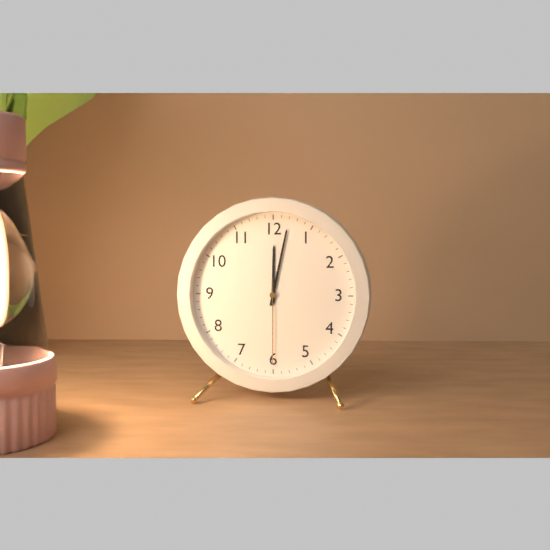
12:02:30
